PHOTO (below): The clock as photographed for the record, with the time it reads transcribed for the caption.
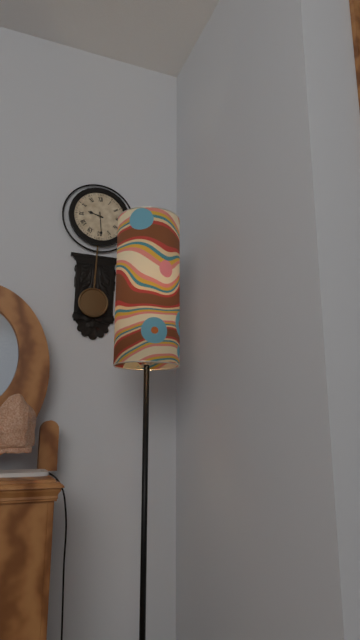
9:29
